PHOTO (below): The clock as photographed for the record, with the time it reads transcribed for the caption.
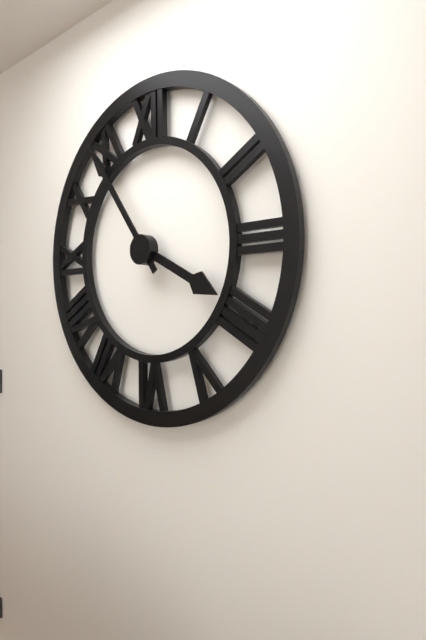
3:54
